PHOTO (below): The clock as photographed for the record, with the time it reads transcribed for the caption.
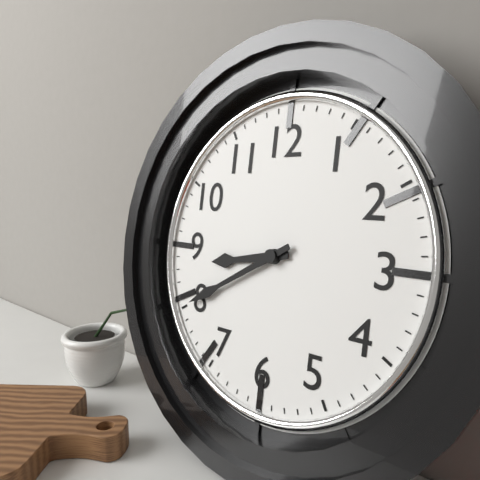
8:40
